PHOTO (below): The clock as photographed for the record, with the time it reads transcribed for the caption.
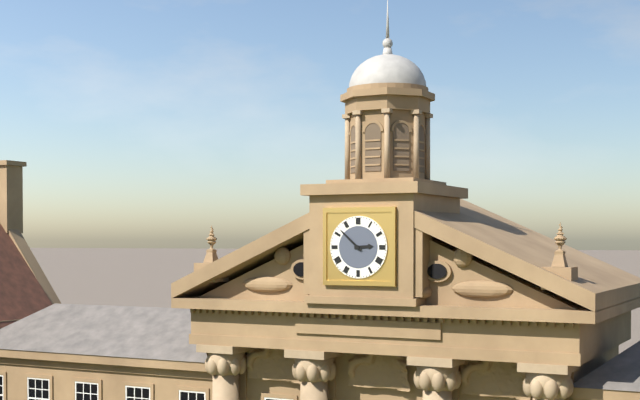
2:52
